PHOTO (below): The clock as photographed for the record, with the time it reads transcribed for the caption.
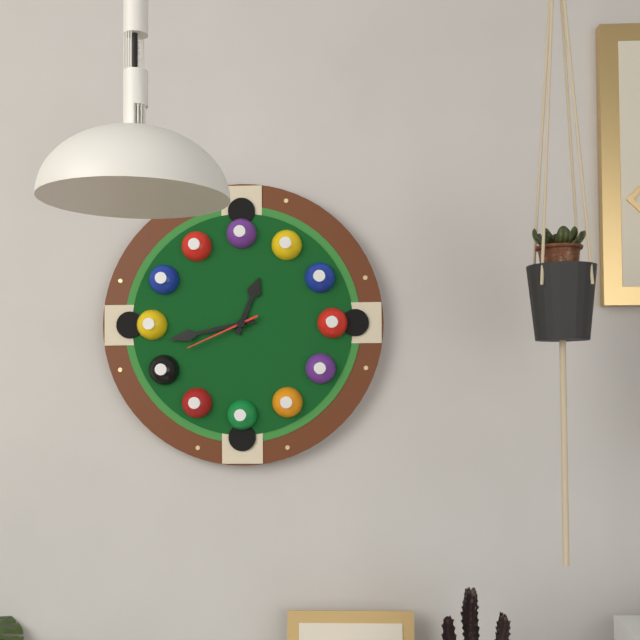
12:43:41
